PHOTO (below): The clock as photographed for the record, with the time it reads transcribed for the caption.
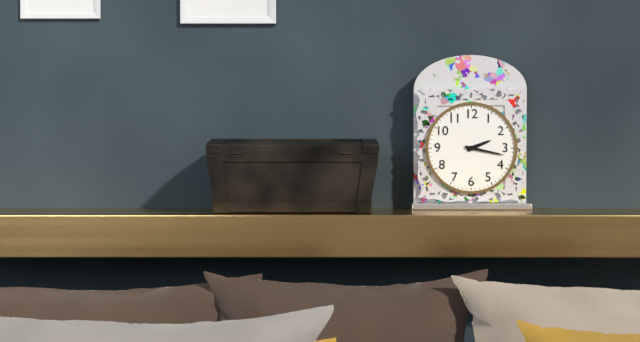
2:17
